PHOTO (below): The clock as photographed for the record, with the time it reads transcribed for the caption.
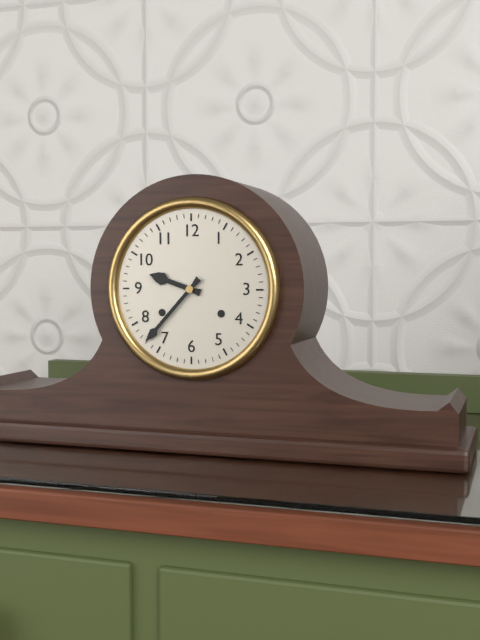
9:37
